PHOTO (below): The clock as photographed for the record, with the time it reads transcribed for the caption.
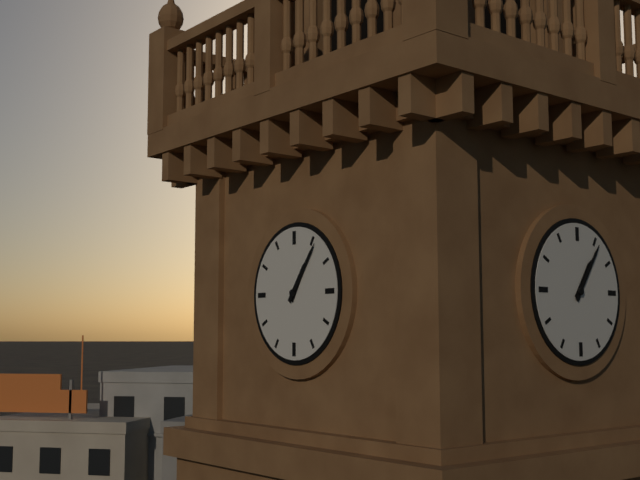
1:06
